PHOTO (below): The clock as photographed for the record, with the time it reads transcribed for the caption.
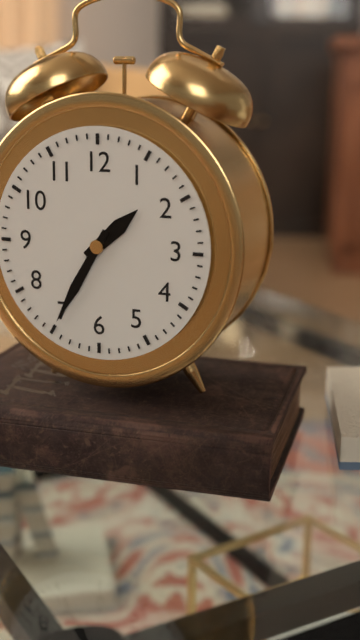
1:35
